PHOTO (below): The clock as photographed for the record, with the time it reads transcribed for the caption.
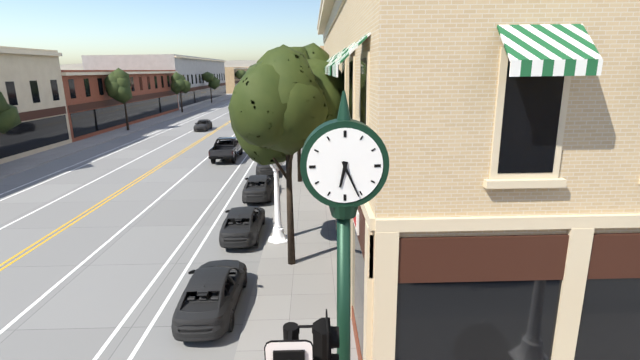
6:26
